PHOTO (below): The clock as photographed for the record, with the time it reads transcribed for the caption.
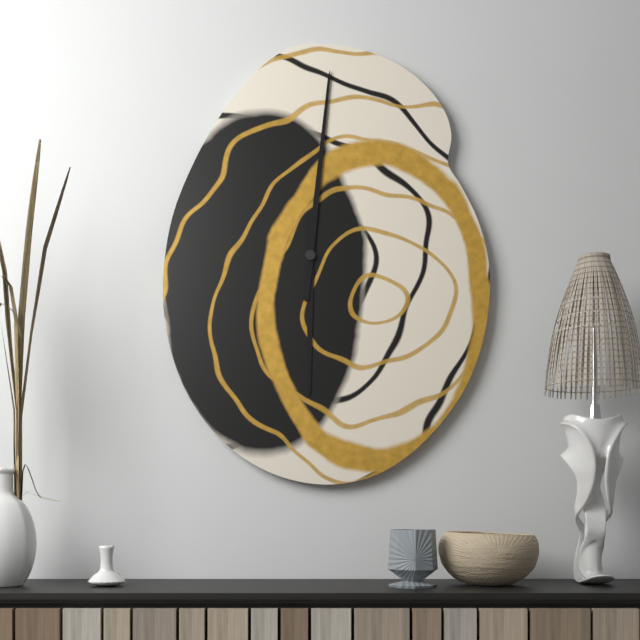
6:01
